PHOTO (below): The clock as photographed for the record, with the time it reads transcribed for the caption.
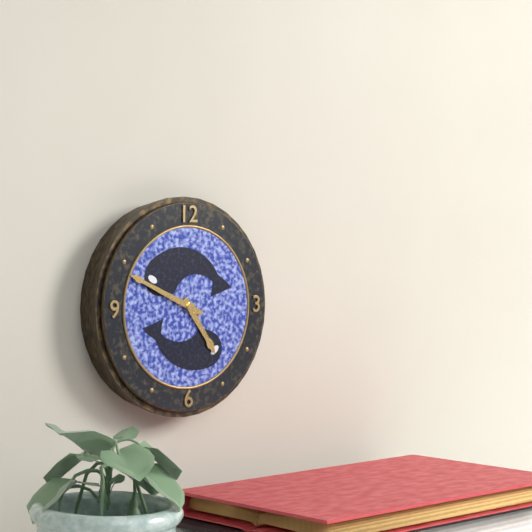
4:49
